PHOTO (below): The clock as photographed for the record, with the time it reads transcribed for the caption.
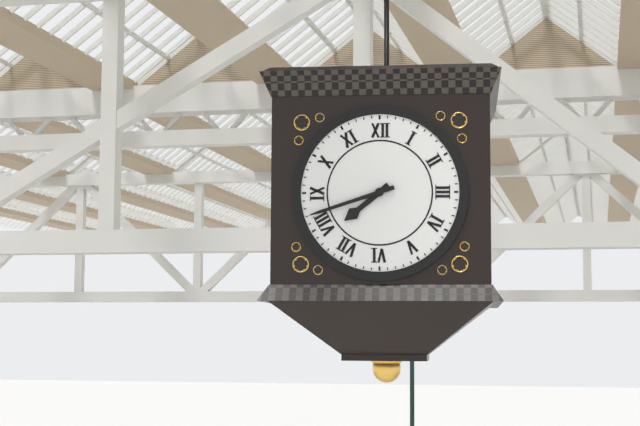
7:42
